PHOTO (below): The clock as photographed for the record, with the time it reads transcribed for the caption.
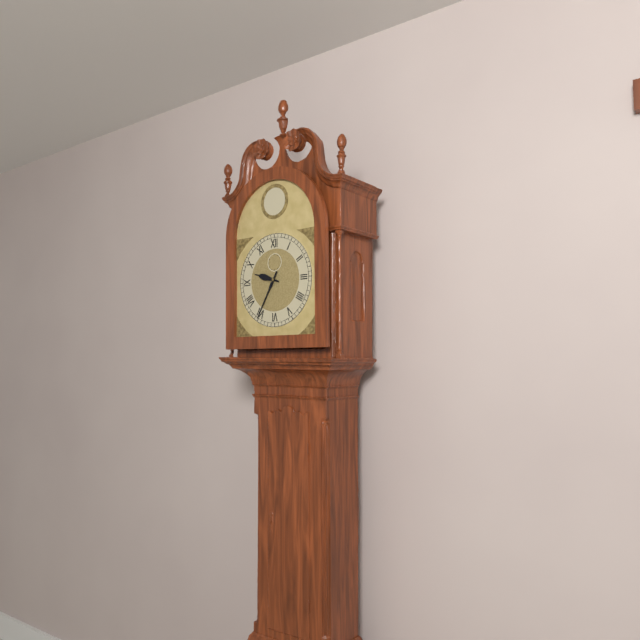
9:35
